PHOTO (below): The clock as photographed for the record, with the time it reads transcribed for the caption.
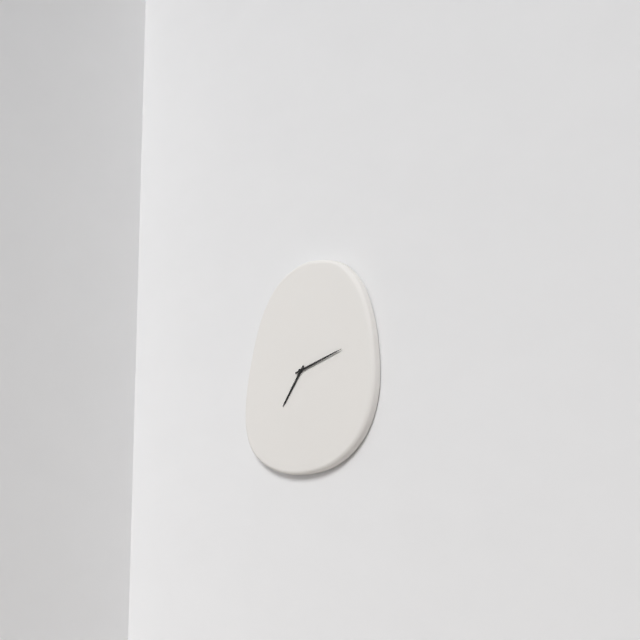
7:12
